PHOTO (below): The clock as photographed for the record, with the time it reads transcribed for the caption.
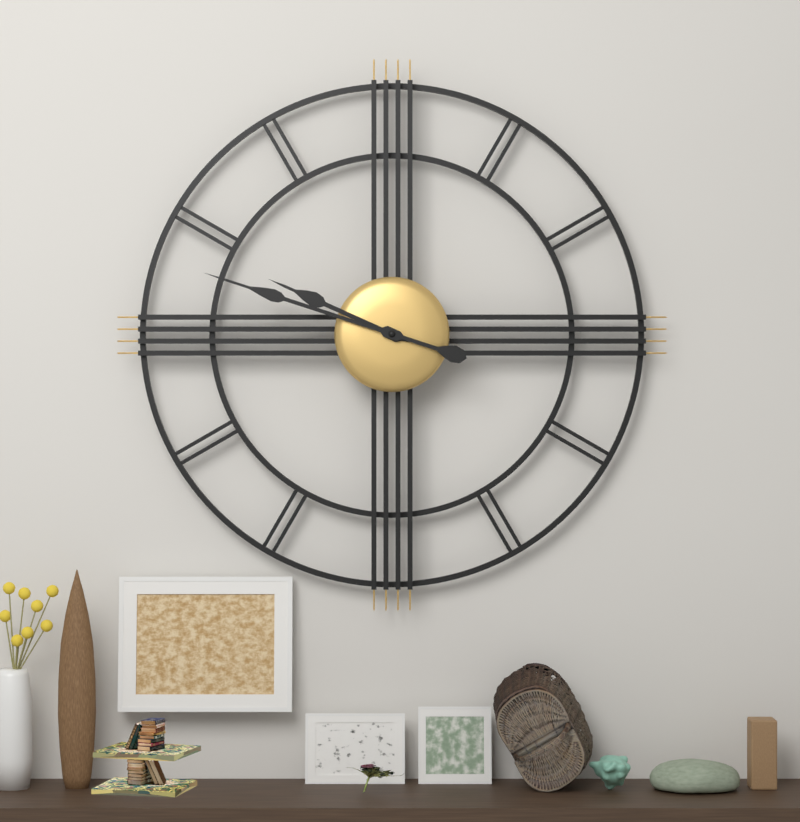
9:48
